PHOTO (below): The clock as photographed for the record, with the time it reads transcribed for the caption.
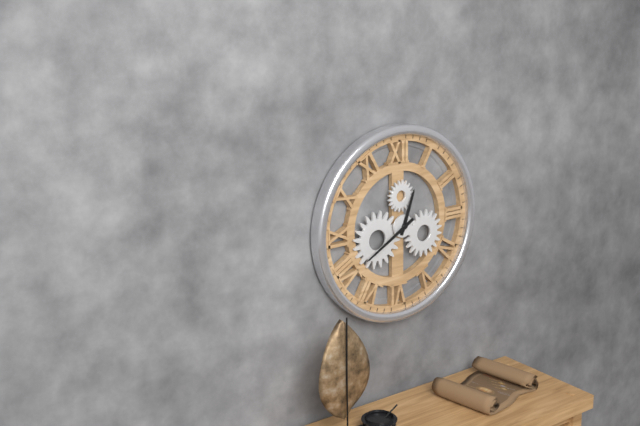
12:40
